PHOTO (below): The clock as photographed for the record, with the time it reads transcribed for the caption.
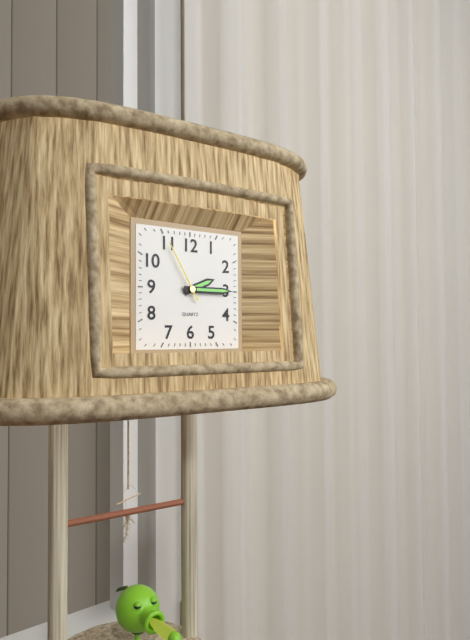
2:15:55
